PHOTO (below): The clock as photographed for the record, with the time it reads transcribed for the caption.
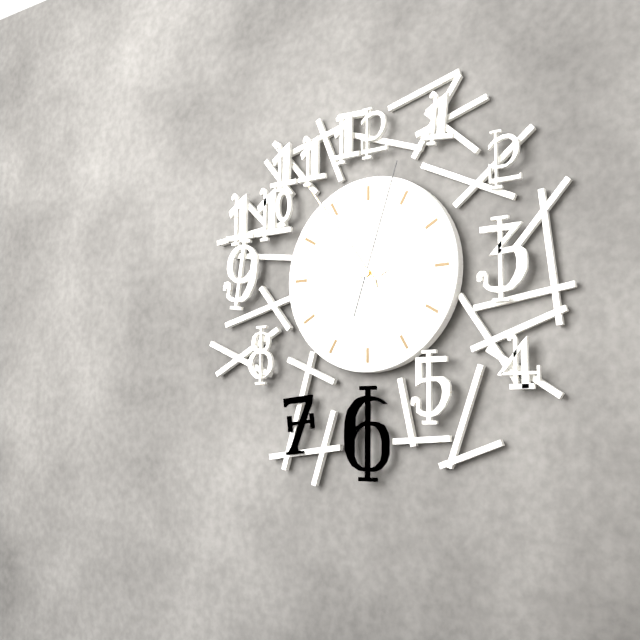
8:54:03
